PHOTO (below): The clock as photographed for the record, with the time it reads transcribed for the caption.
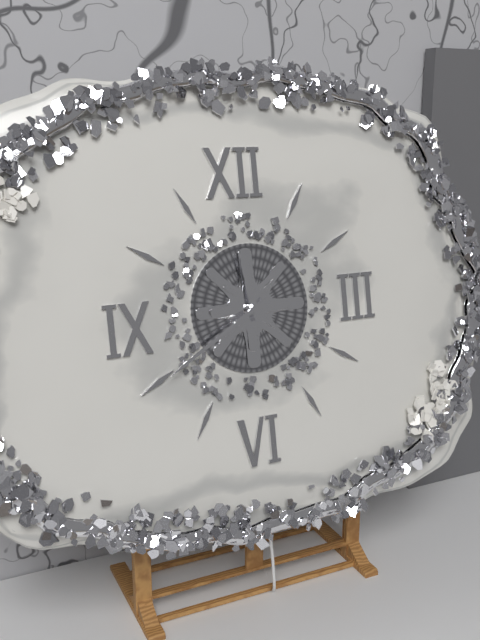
11:40
